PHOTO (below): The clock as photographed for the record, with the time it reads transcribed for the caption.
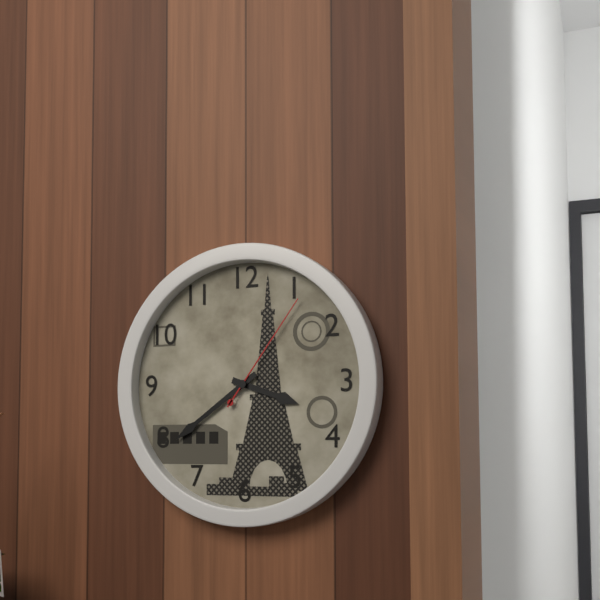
3:39:06
